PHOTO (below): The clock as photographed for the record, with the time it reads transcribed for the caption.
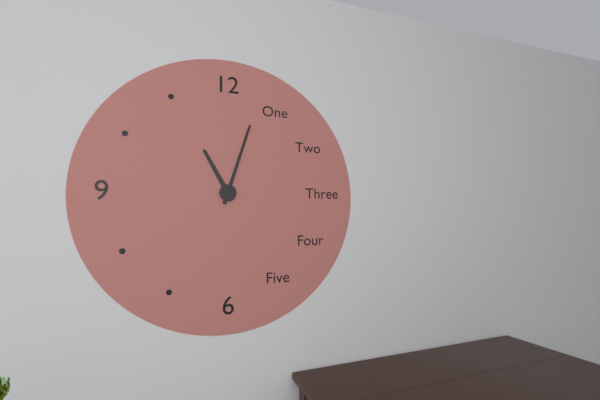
11:03
